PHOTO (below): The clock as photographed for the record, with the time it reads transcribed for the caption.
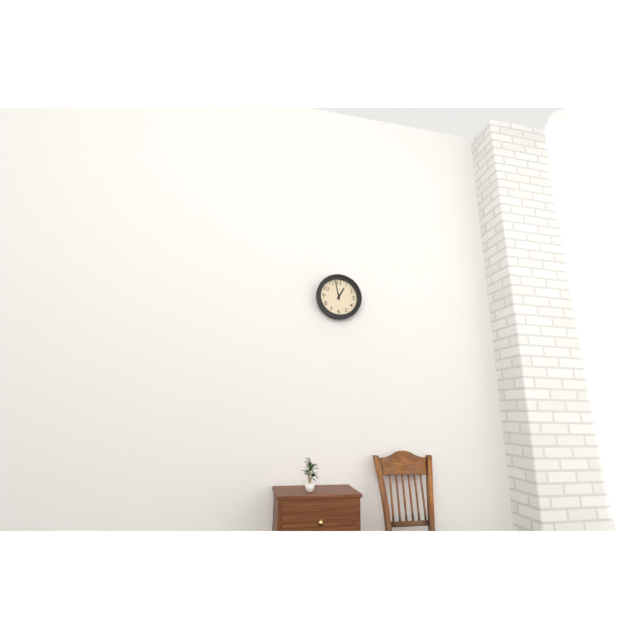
12:58
